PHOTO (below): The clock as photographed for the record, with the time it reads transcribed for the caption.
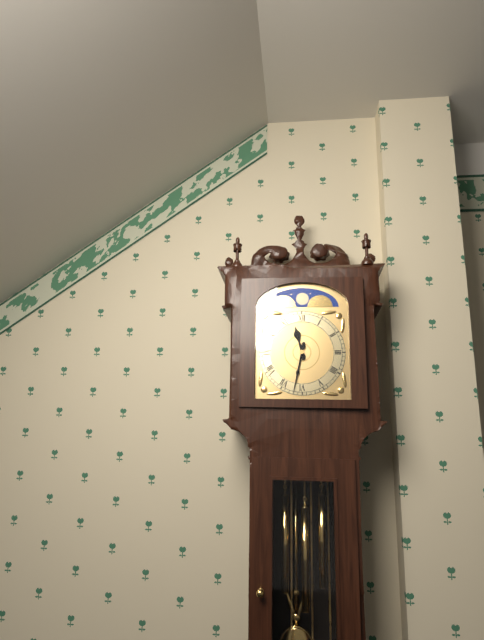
11:32
